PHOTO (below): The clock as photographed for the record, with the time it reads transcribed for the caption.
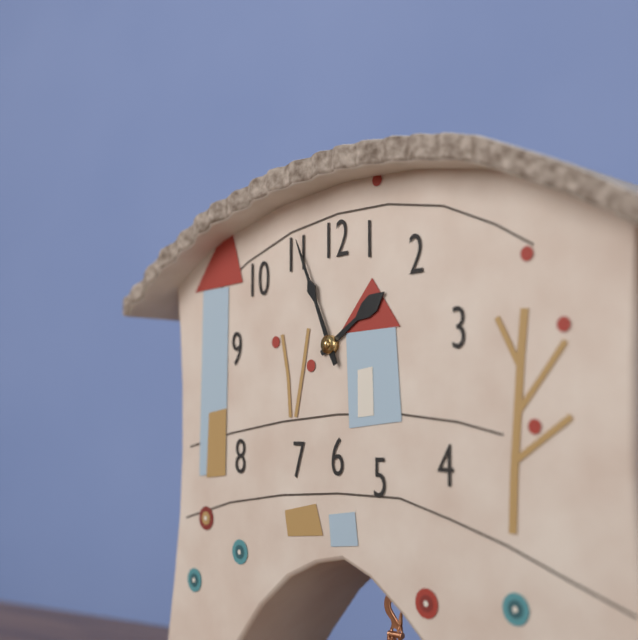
1:56
